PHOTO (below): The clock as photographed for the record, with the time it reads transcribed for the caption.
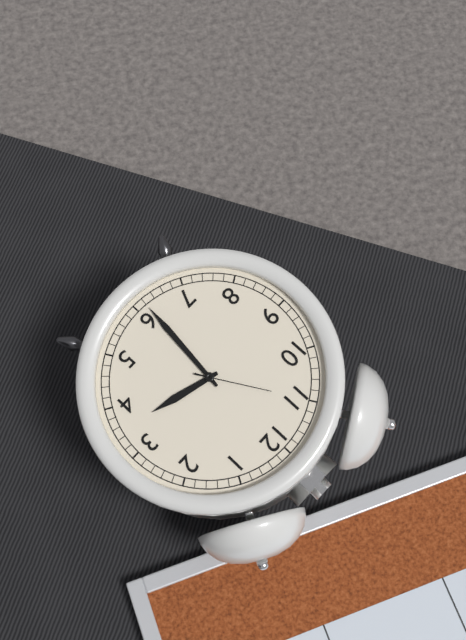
3:31:55
